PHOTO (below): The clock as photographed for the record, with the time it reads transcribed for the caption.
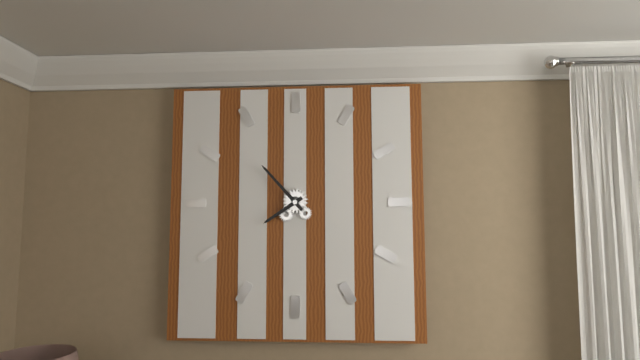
7:53
